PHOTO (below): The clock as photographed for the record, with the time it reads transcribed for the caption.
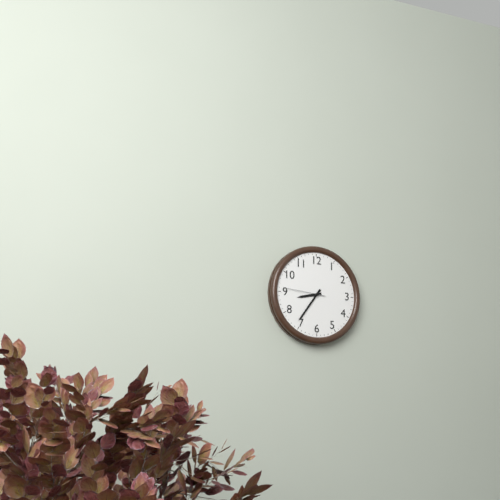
8:36
